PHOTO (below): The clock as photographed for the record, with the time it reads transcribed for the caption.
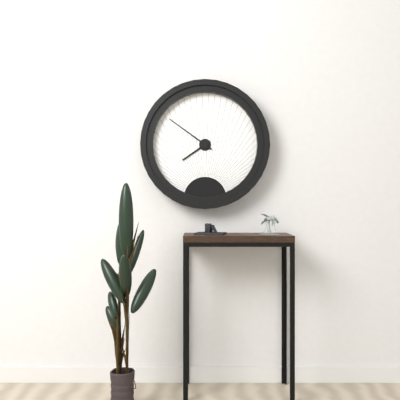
7:51
